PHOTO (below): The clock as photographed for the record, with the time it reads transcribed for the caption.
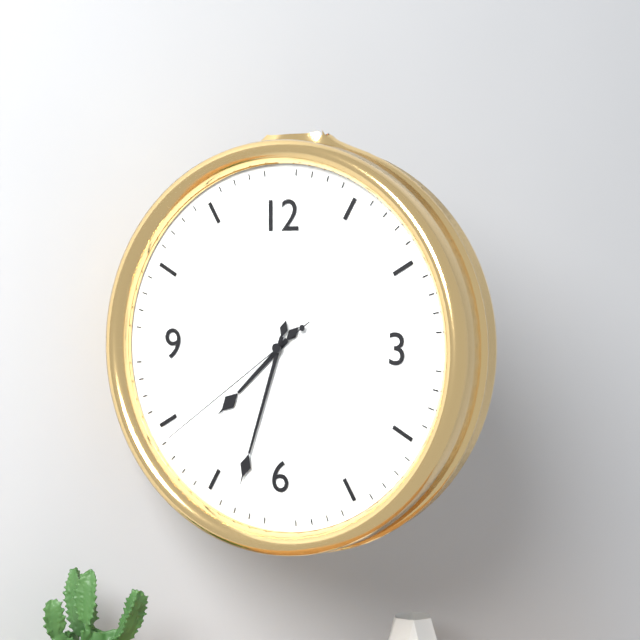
7:33:39
